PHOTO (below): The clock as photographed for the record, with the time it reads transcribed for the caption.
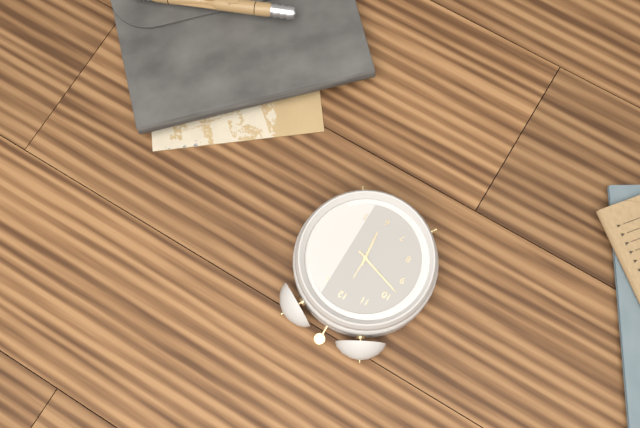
5:48
